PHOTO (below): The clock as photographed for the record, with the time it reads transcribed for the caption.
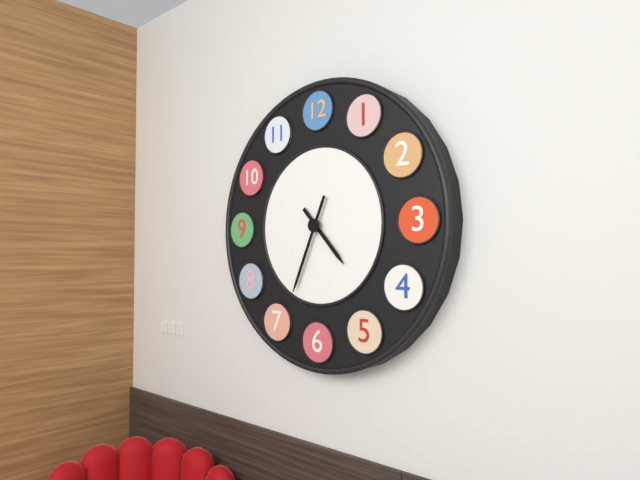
4:34
